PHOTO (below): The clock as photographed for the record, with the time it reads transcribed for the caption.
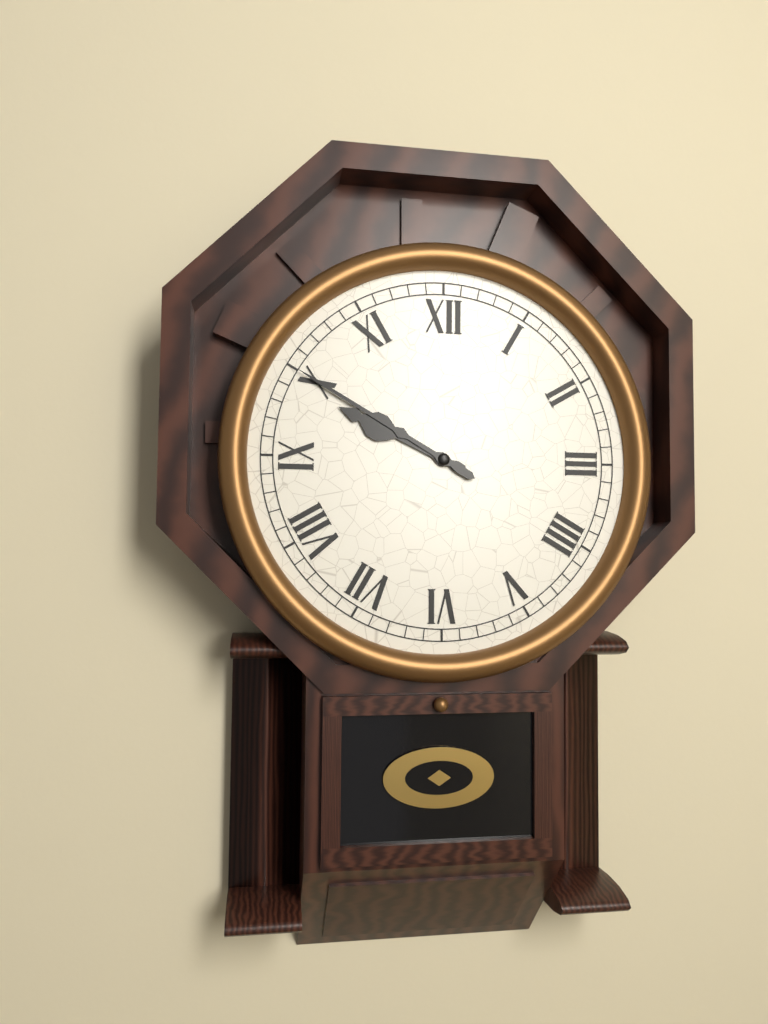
9:50
